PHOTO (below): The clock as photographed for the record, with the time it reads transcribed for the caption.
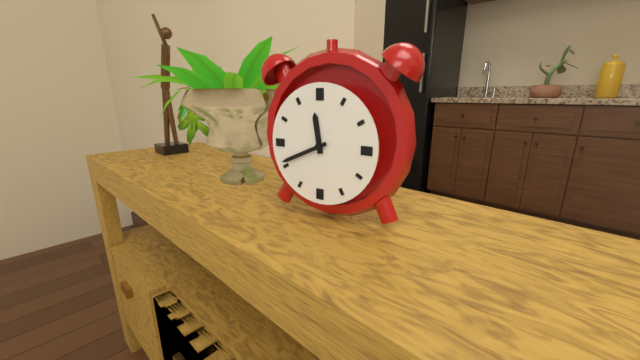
11:41
